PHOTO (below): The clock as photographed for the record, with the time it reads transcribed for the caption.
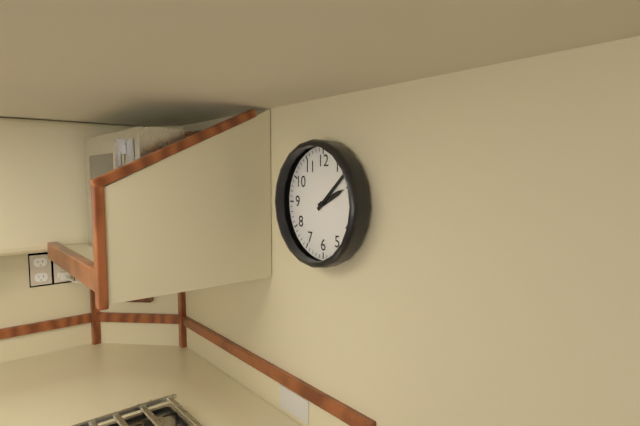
2:08
